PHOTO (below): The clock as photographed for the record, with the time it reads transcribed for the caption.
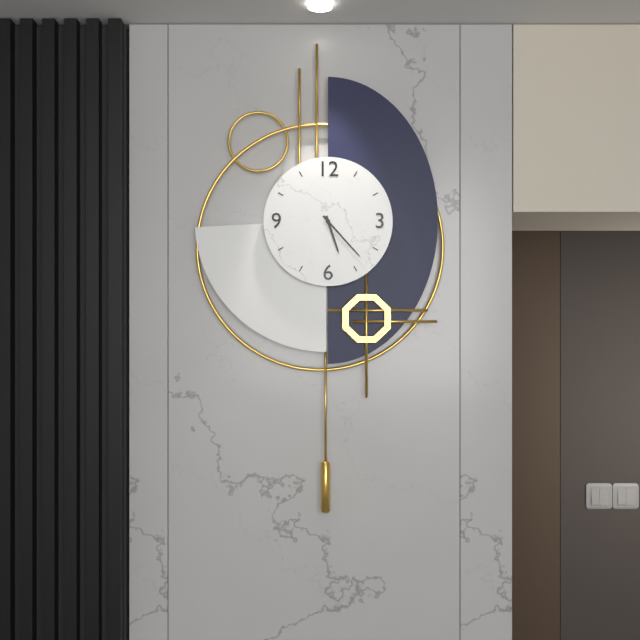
5:23
